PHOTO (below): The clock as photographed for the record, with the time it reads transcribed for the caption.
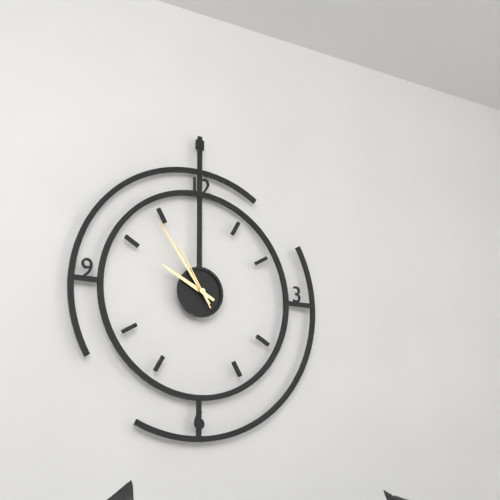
9:54:55
